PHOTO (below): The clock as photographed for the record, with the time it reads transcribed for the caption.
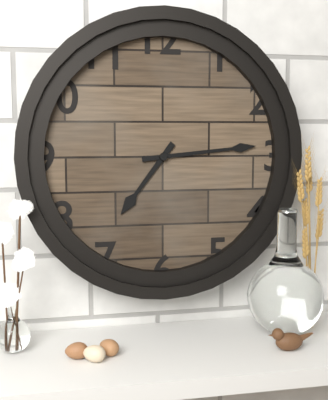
7:14
